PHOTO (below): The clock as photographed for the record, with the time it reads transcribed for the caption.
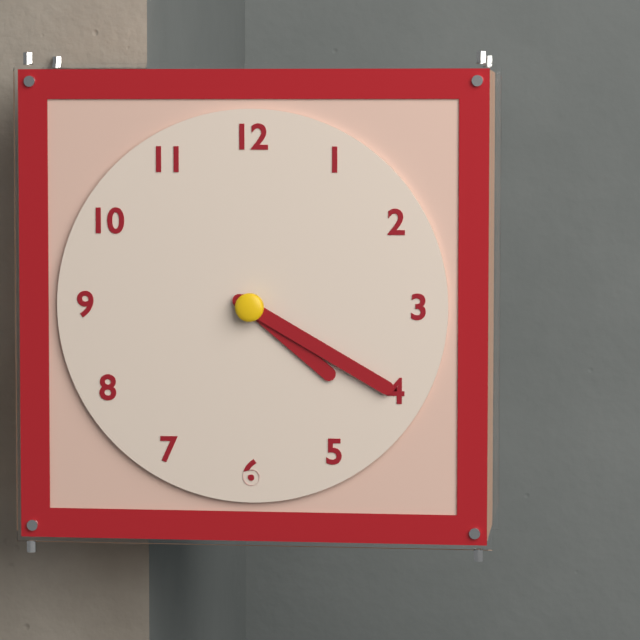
4:20
